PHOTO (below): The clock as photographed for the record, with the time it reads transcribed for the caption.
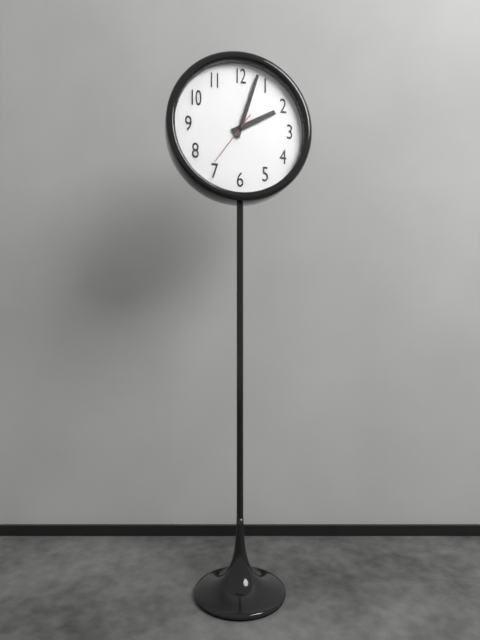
2:03:36
